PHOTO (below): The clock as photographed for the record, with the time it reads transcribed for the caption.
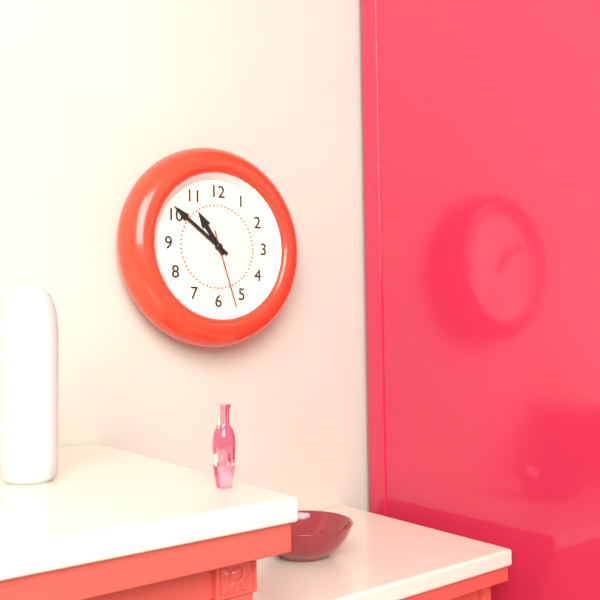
10:51:27
